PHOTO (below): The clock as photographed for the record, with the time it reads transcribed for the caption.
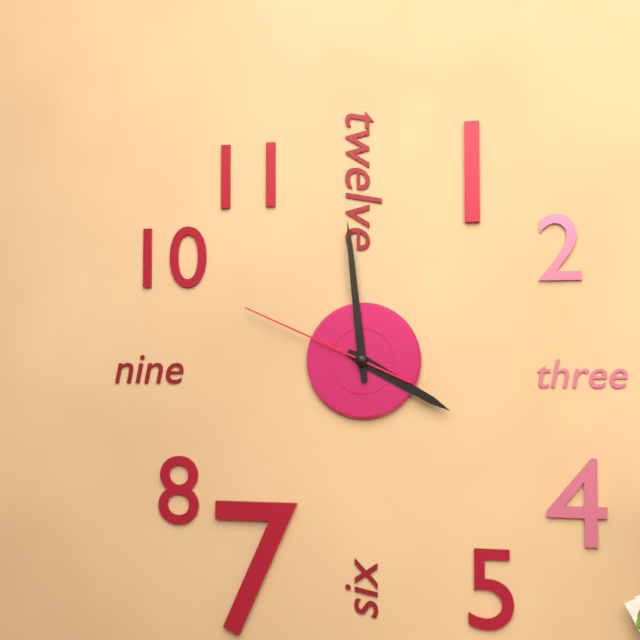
3:59:49
